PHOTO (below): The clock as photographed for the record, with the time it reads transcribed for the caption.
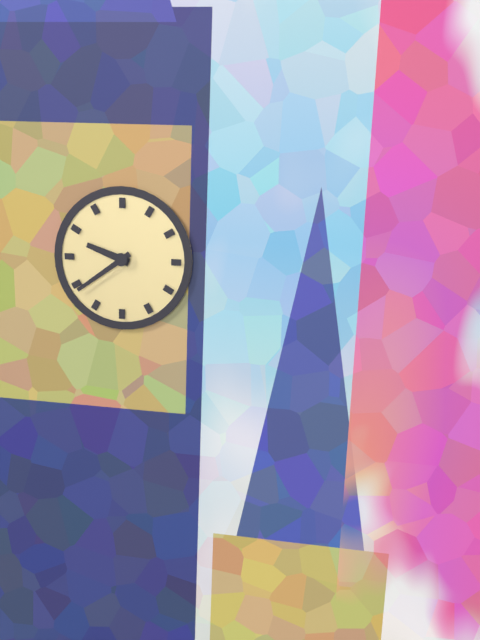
9:39
